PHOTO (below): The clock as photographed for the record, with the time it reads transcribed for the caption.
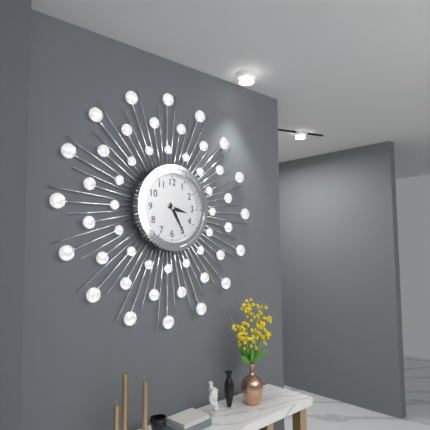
3:25
